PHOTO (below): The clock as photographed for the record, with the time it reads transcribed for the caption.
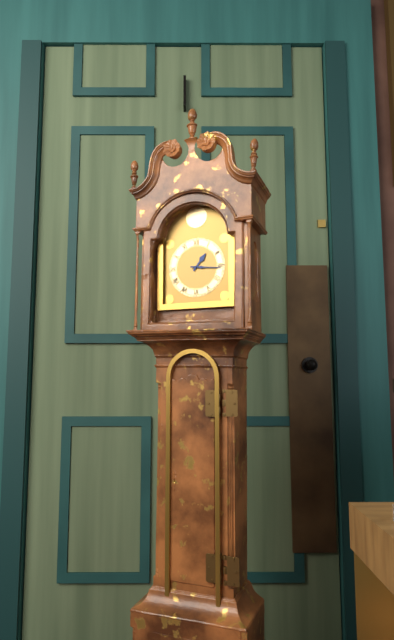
1:16
